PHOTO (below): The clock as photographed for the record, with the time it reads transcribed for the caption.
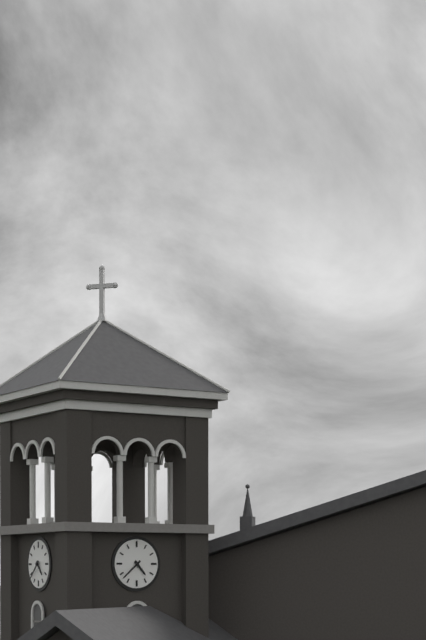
4:38
